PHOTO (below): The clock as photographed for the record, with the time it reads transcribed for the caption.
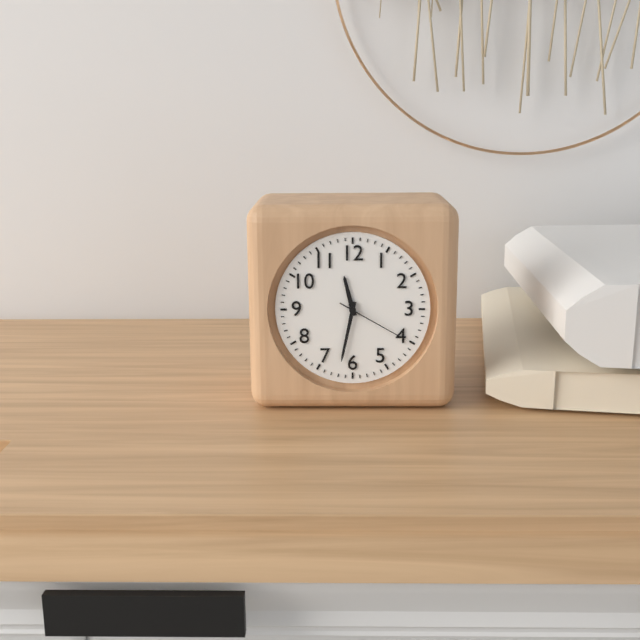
11:32:20
